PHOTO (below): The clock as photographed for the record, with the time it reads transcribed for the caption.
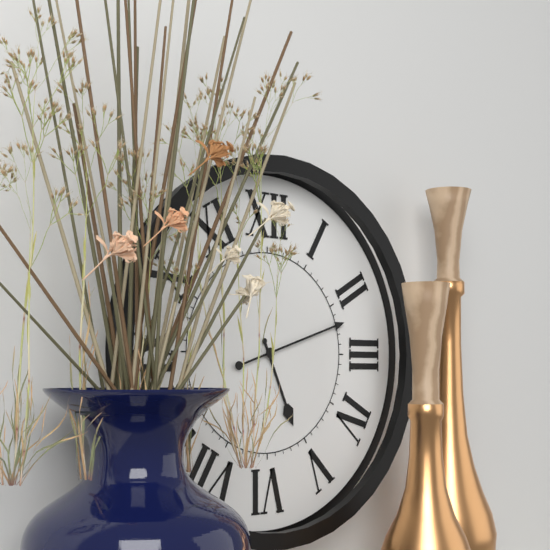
5:12
